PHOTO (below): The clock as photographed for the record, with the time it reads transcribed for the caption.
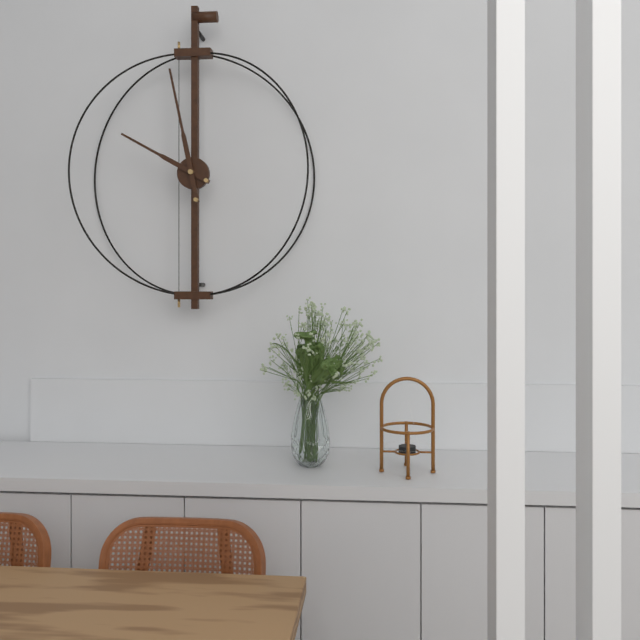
9:58
